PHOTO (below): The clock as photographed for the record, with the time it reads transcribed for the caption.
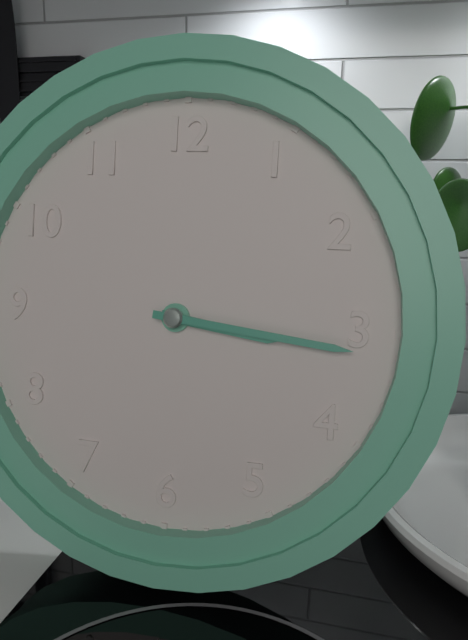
3:16
